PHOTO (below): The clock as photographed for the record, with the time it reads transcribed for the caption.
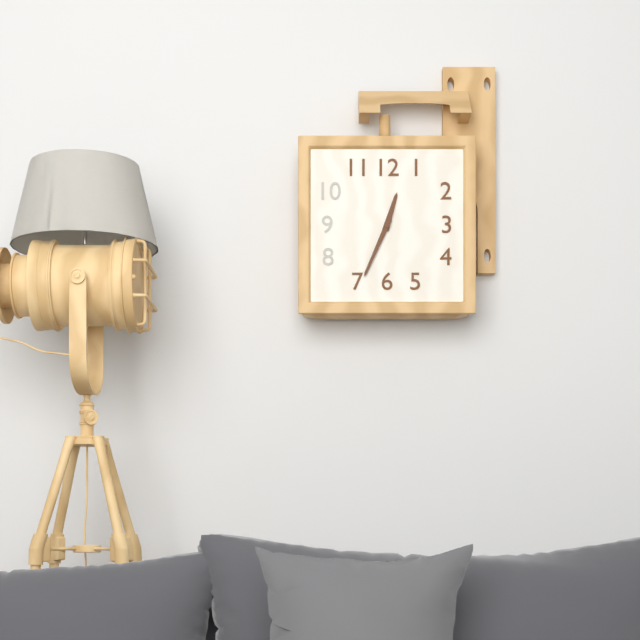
12:34
